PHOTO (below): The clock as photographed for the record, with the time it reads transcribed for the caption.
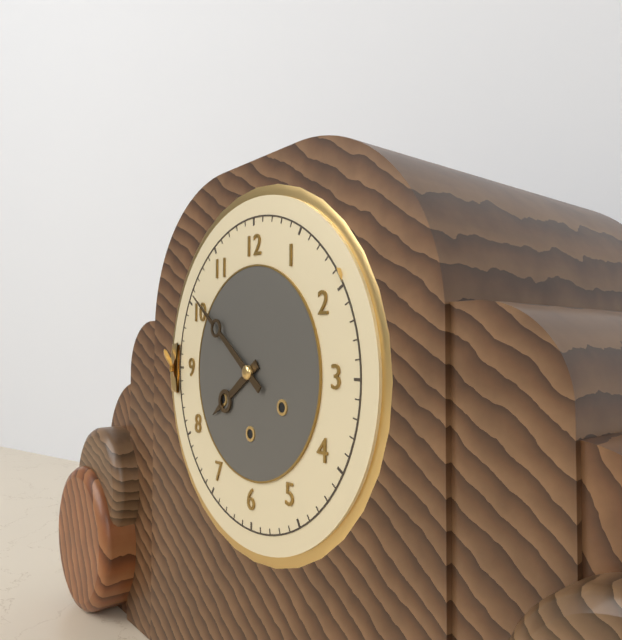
7:51
